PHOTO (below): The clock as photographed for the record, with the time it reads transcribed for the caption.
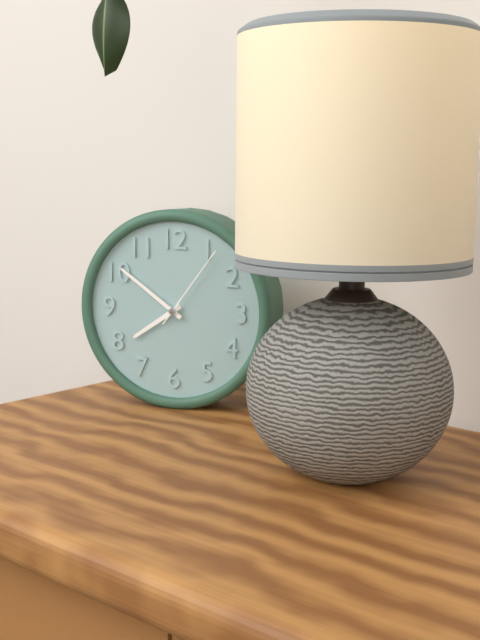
7:51:06
